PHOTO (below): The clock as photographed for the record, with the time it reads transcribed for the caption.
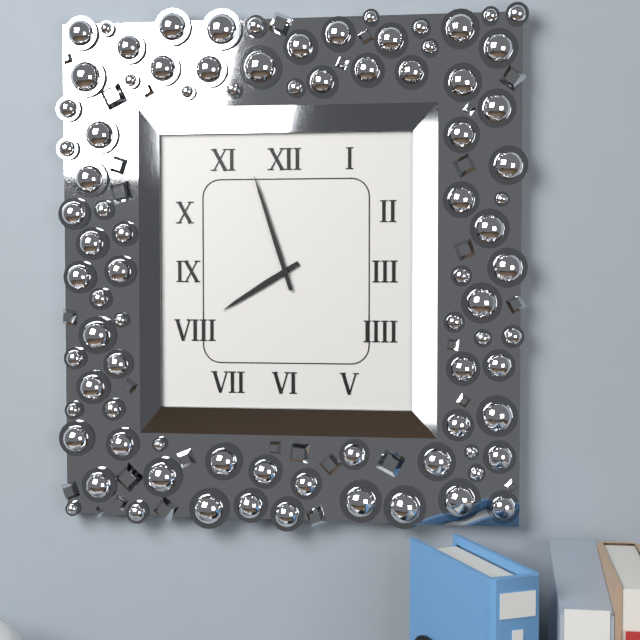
7:57
